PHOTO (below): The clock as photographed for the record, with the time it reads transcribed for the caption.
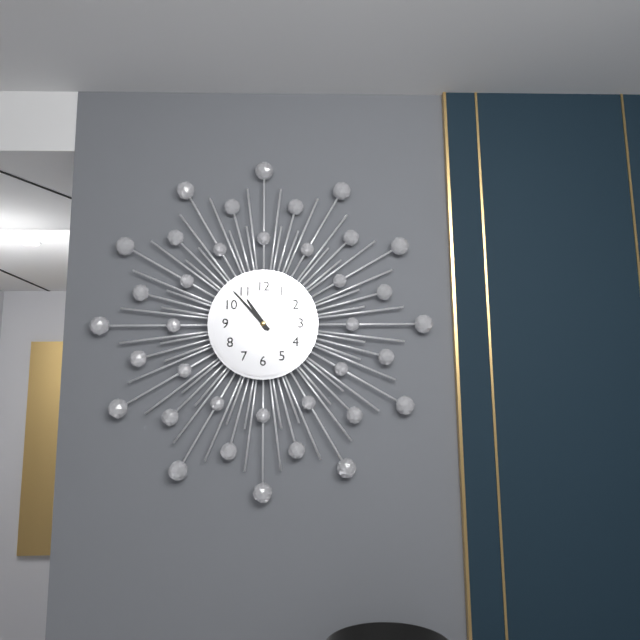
10:53
